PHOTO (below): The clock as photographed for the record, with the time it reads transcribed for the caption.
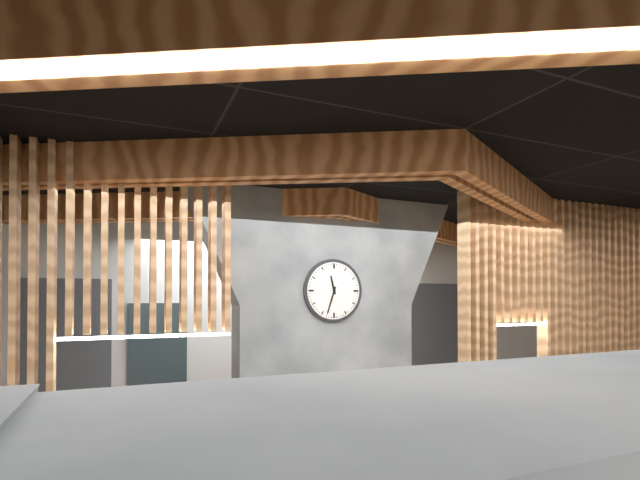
11:33
